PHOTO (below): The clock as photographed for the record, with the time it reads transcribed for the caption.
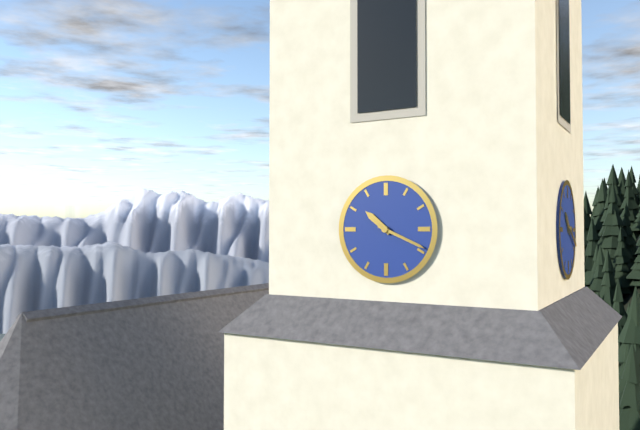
10:19
